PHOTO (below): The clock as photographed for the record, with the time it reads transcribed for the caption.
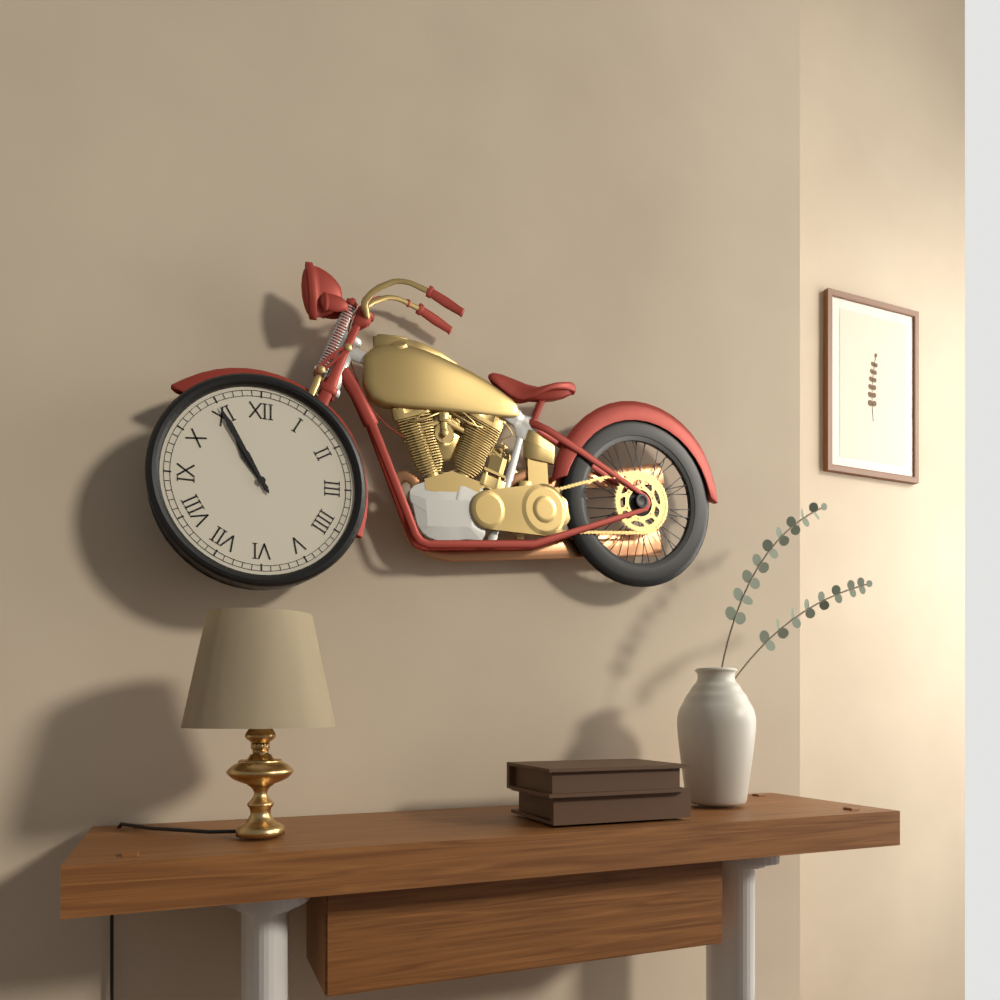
10:55
